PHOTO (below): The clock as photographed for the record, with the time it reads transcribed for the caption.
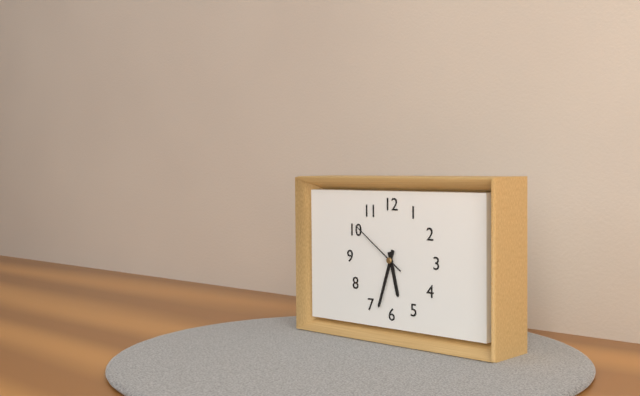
5:33:51
